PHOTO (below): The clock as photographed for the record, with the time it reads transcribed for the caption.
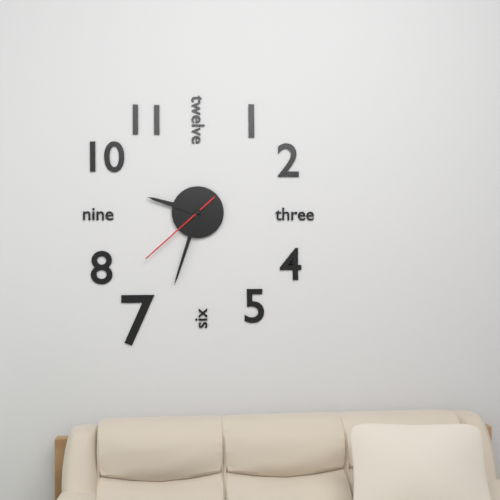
9:33:38
